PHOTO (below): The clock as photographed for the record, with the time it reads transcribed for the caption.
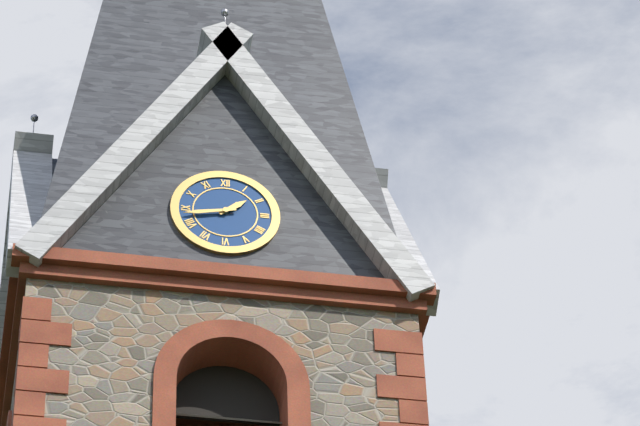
1:43
